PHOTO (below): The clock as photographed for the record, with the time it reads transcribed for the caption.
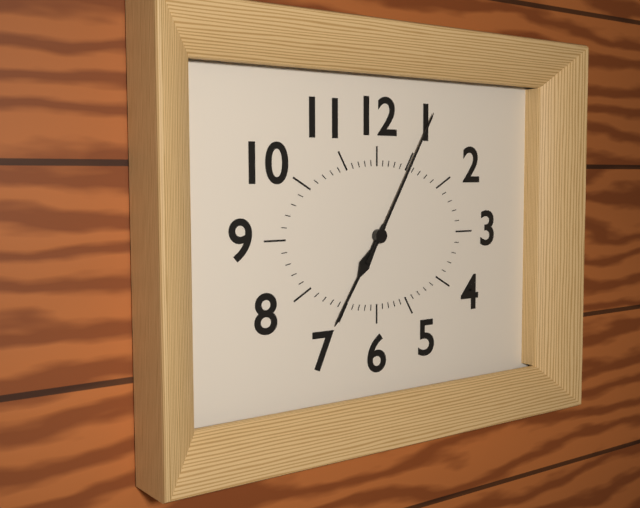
7:05
